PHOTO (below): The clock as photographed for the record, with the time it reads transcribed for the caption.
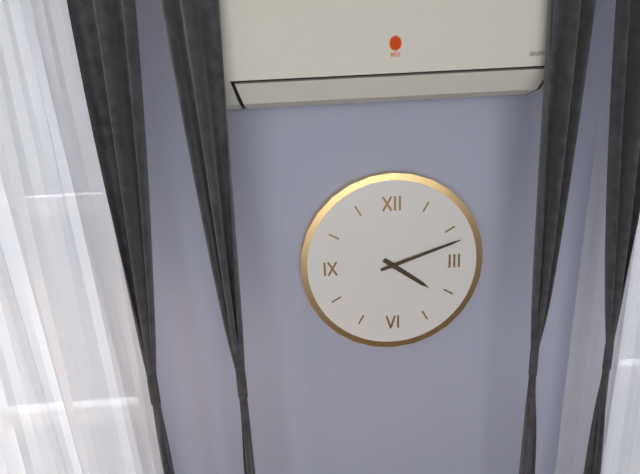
4:12
